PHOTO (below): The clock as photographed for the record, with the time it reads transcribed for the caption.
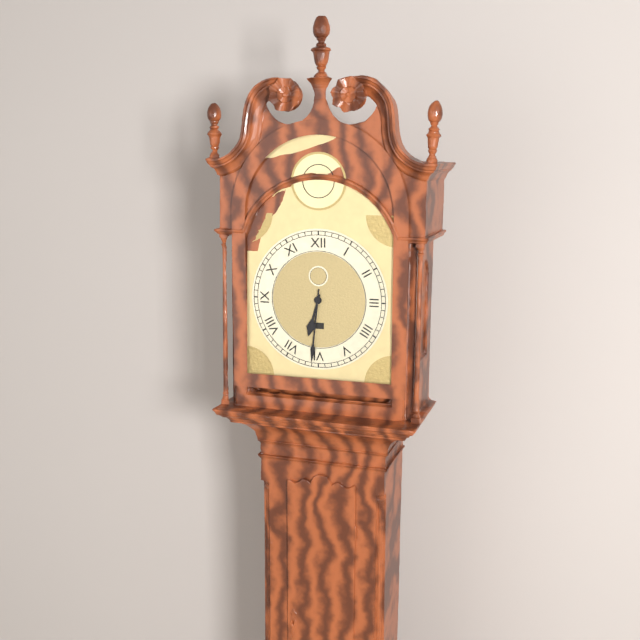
6:31
